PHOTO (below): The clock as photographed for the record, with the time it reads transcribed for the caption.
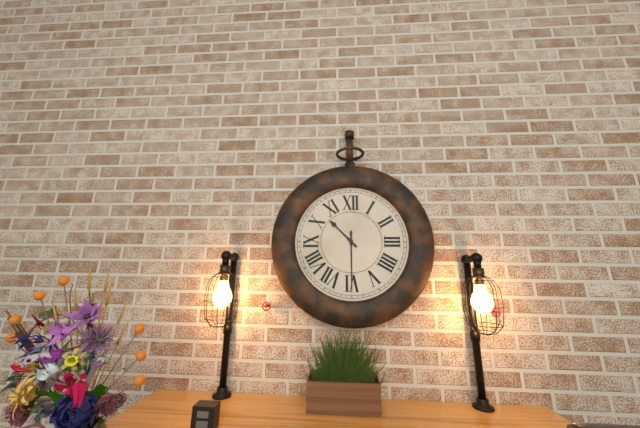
10:30
